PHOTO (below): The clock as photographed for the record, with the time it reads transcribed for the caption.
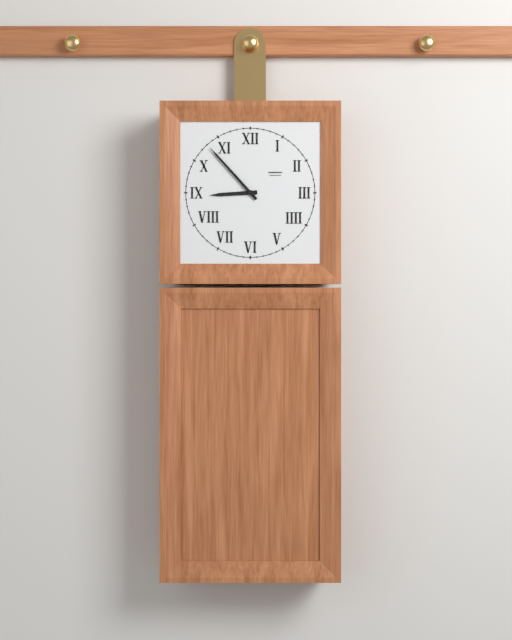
8:53
